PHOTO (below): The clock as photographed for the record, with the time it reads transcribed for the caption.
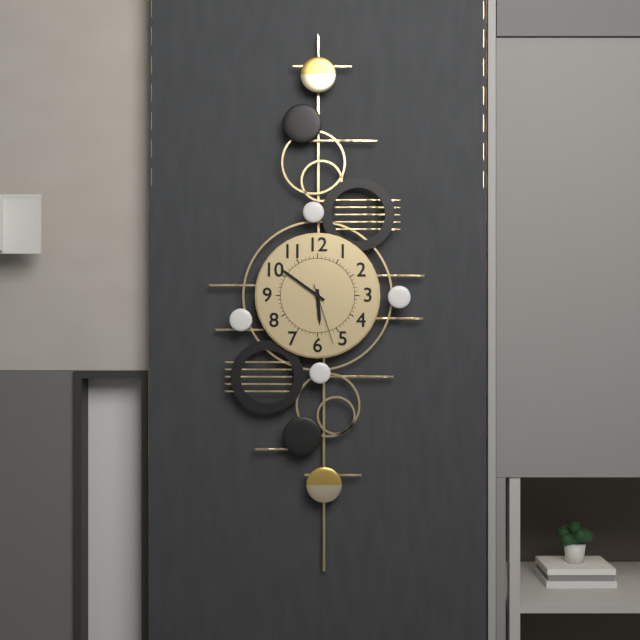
5:51:27
